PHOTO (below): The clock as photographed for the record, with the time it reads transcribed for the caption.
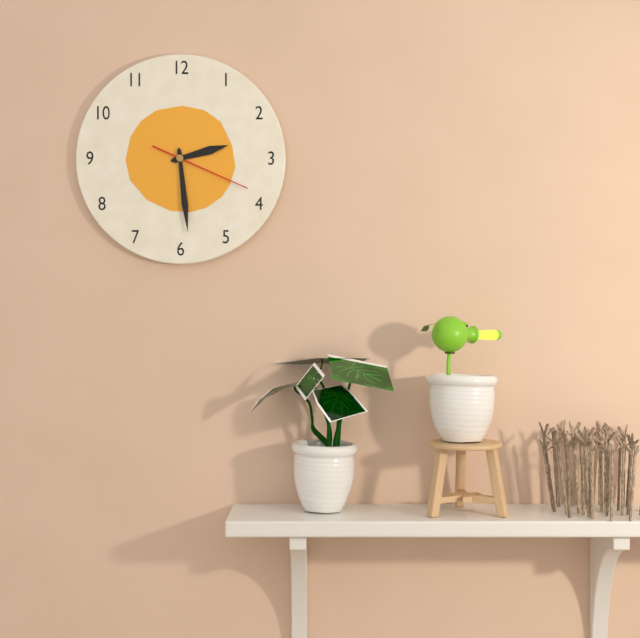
2:29:19
